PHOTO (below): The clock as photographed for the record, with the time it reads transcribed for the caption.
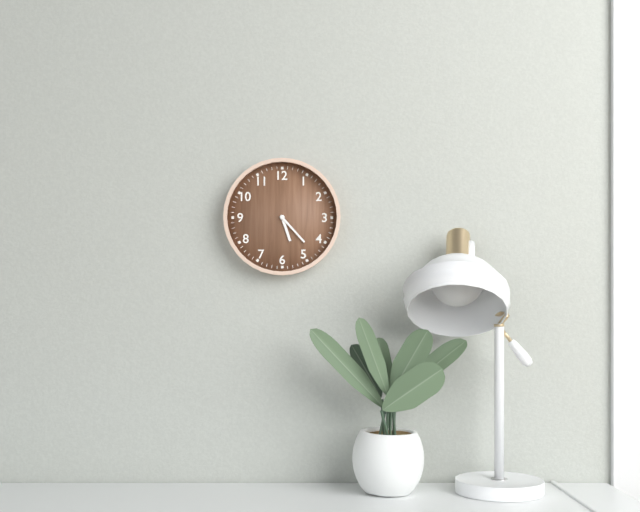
5:23
